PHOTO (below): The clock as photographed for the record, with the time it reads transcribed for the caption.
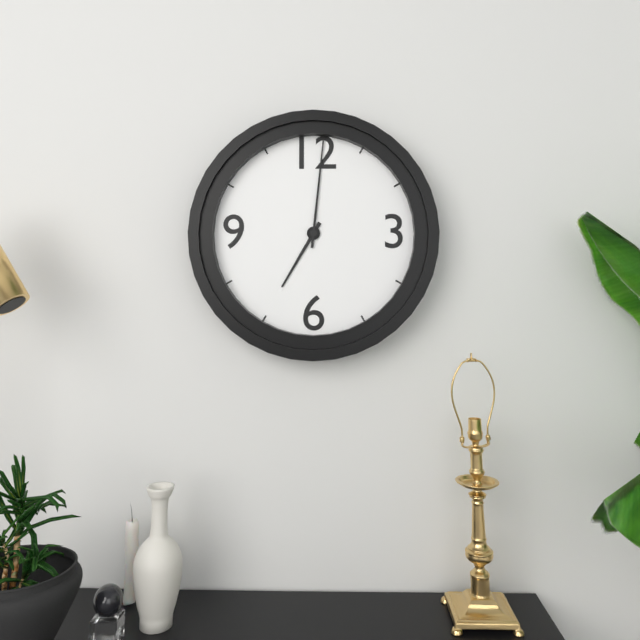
7:01
